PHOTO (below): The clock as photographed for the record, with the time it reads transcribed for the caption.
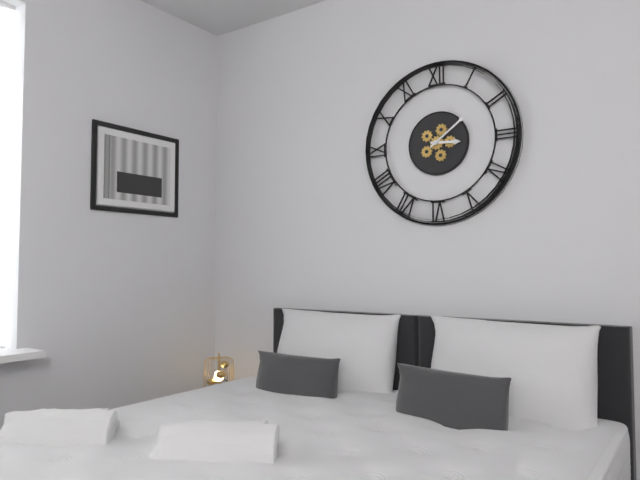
3:09
